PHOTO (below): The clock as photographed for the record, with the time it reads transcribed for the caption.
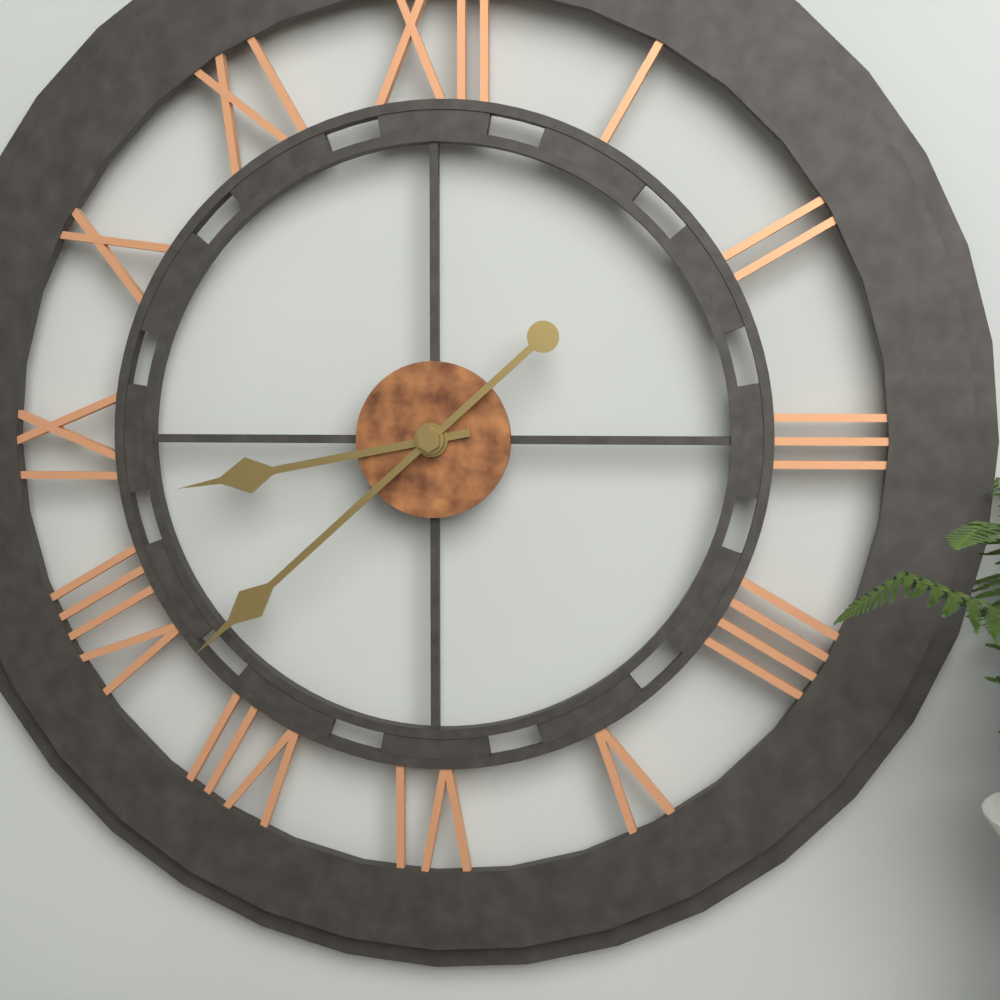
8:38
